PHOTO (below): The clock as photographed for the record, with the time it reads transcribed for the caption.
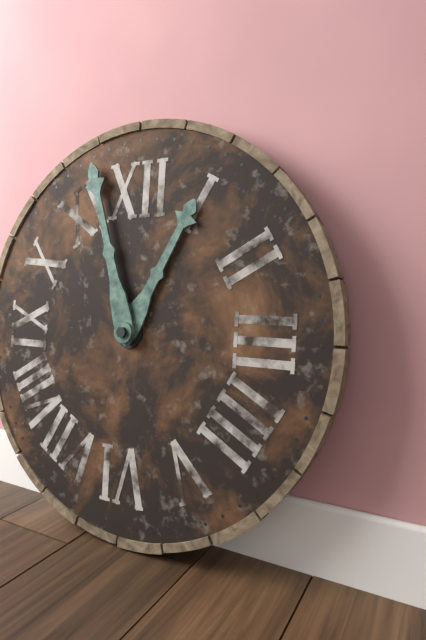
12:57
